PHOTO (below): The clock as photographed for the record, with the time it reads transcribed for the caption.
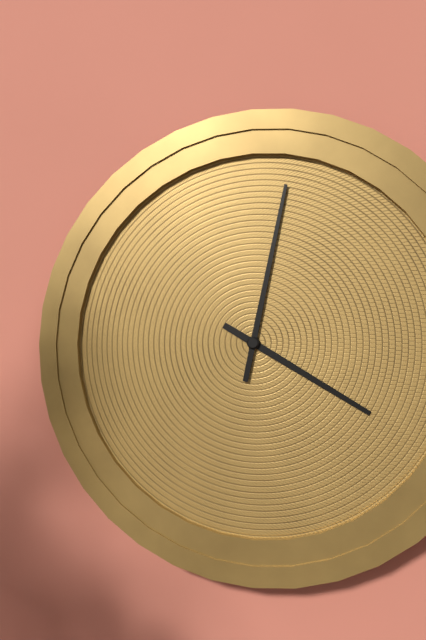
4:02
